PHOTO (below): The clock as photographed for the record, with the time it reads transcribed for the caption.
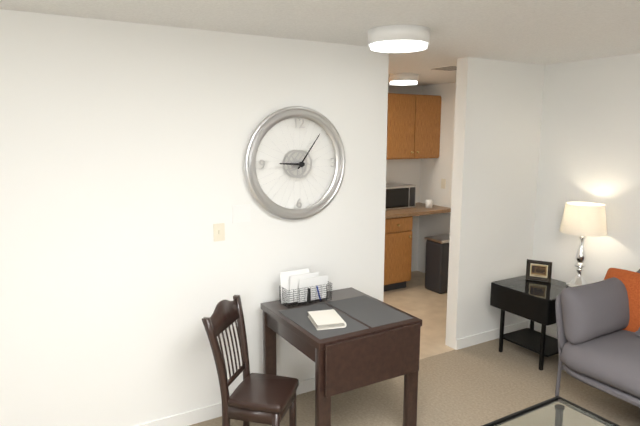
9:06
